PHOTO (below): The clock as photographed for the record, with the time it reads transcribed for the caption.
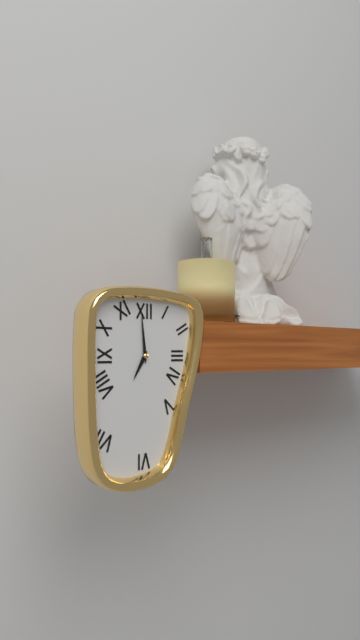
6:59
